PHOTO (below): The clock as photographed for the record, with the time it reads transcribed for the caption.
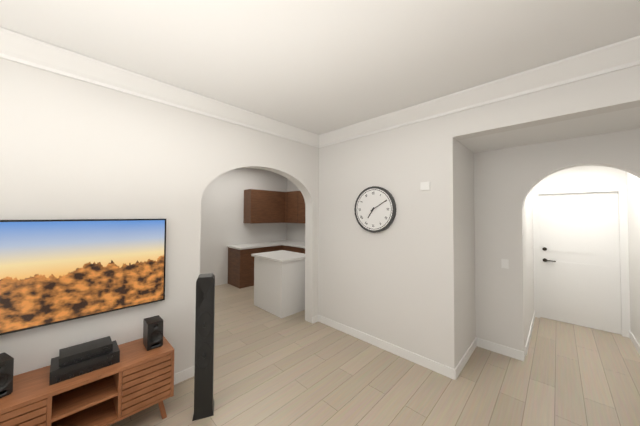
7:10
